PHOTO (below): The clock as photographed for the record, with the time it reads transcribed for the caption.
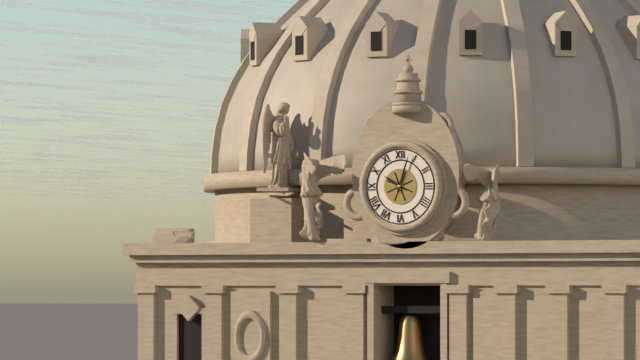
10:03
